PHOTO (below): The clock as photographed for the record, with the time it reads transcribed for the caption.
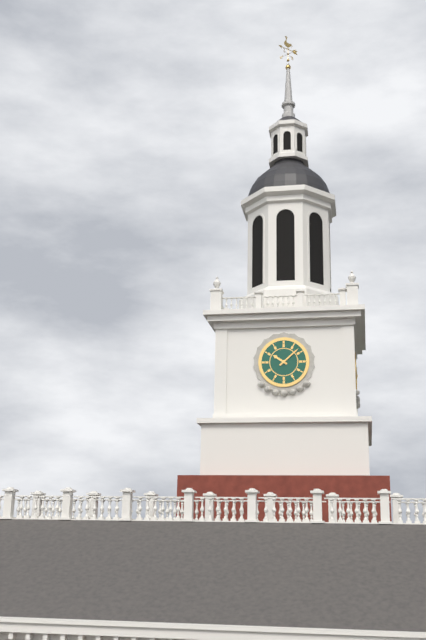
10:08
